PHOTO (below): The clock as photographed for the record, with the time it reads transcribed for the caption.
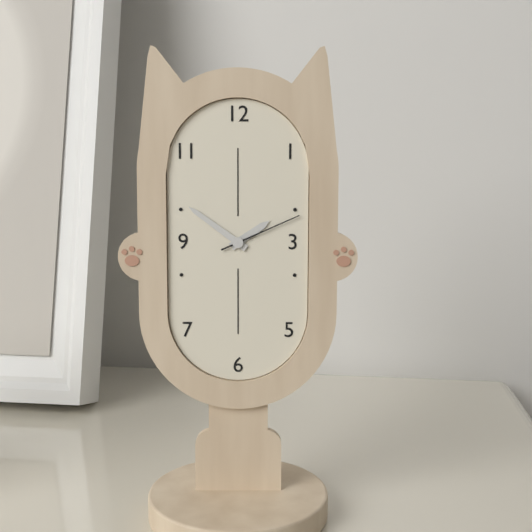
1:51:11
